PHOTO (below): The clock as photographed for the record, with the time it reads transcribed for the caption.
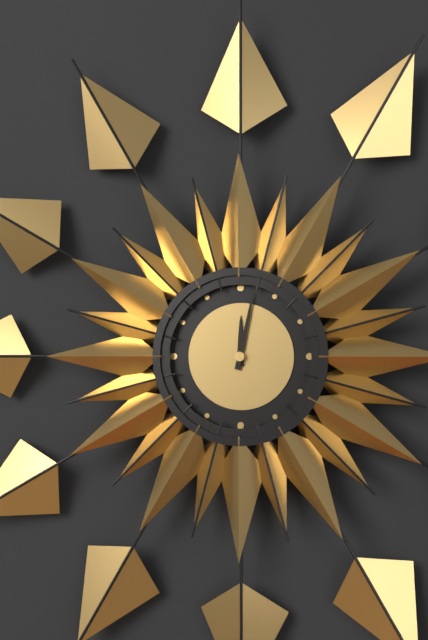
12:02
